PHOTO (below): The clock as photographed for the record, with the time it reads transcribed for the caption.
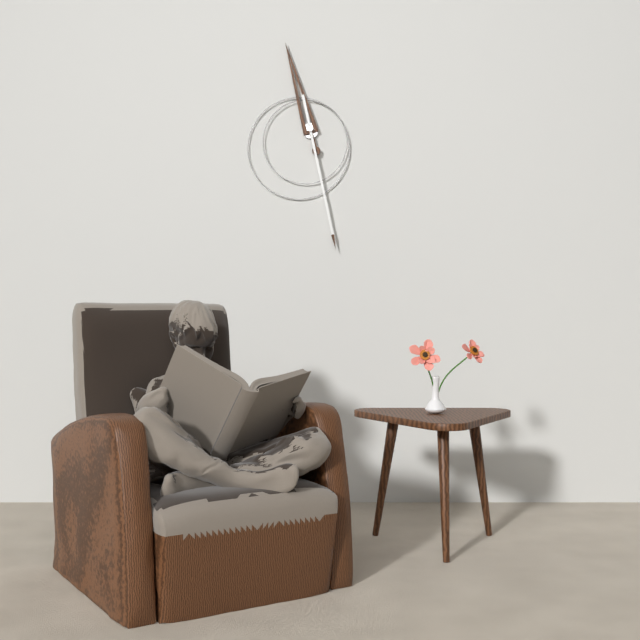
11:28
